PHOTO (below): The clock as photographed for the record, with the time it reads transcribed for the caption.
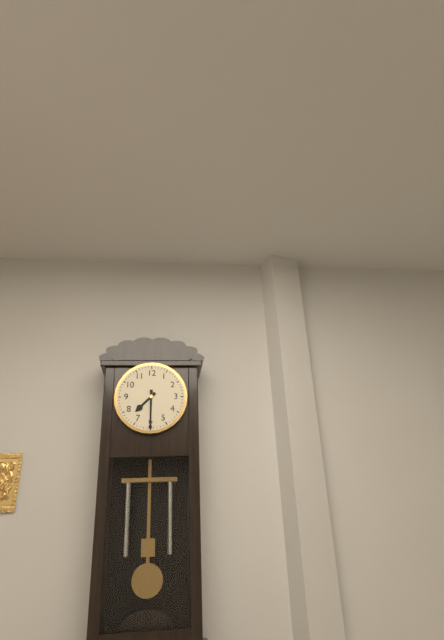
7:30
